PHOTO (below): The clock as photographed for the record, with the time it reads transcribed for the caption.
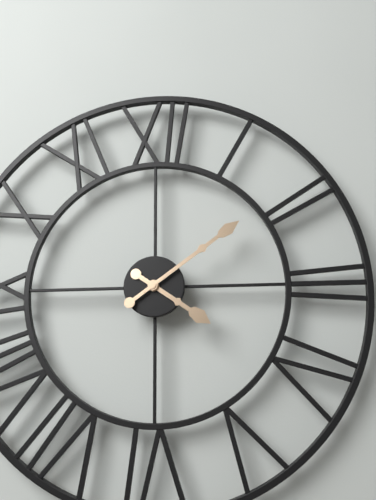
4:09
